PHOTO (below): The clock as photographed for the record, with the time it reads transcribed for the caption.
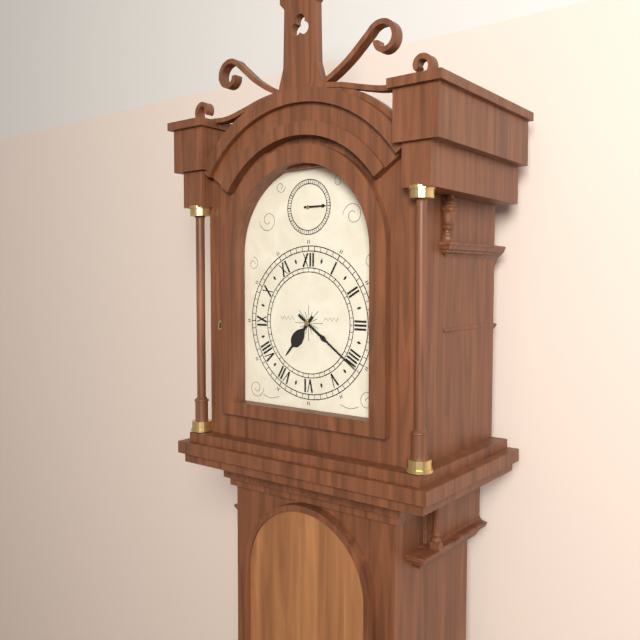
7:21
